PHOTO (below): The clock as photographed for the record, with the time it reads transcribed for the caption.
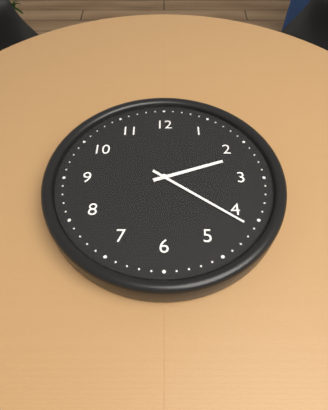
2:21
